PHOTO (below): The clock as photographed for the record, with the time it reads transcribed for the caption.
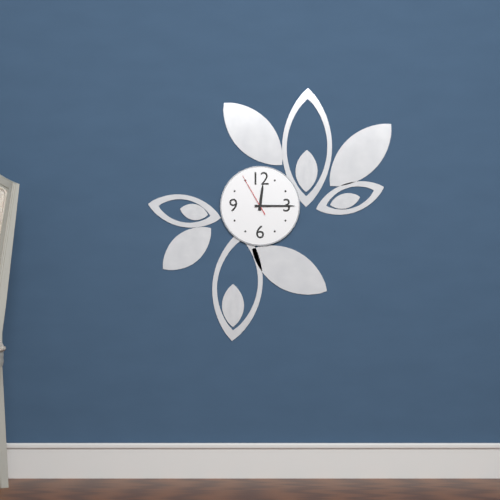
12:15
